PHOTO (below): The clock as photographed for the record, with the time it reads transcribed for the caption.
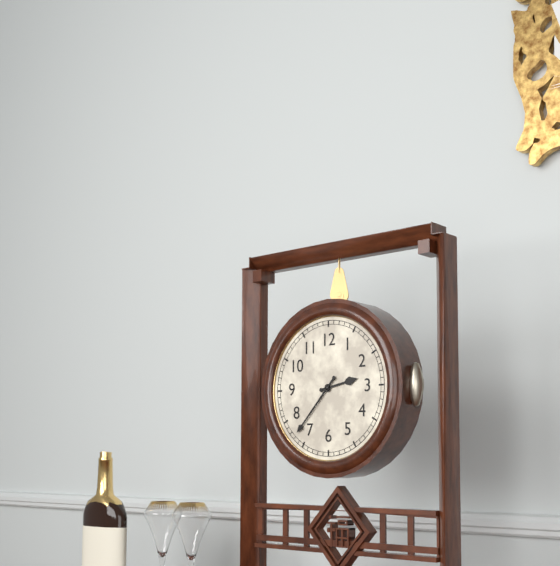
2:37
